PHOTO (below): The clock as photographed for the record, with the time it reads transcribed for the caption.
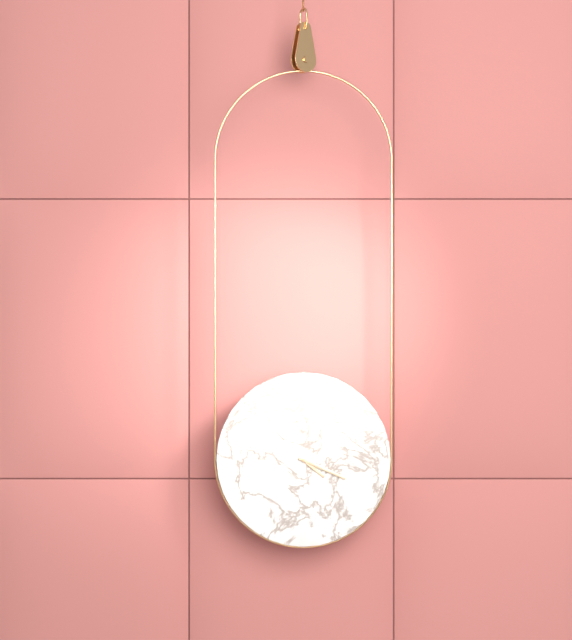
4:19
